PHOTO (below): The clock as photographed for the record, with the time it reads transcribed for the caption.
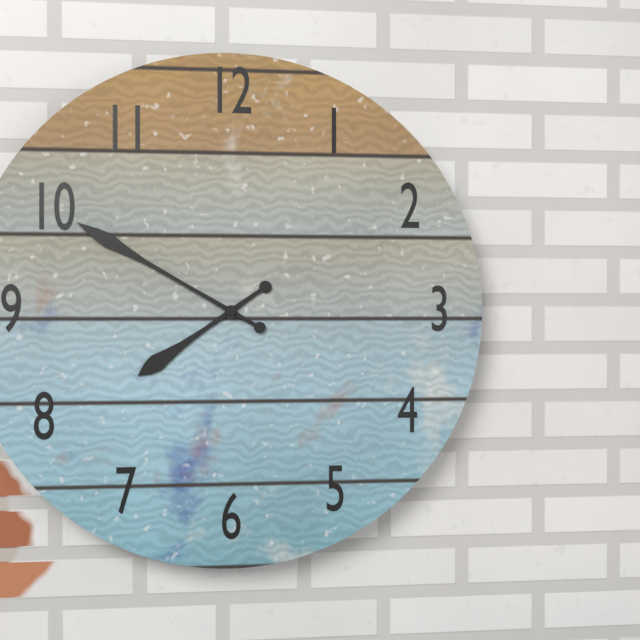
7:50
